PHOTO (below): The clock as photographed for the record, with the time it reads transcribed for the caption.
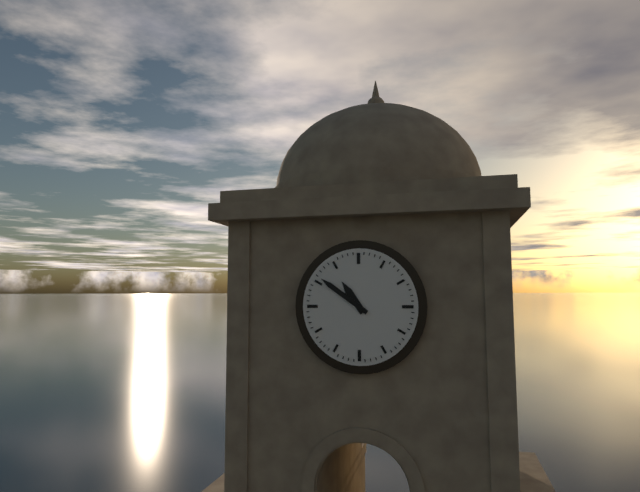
10:51
